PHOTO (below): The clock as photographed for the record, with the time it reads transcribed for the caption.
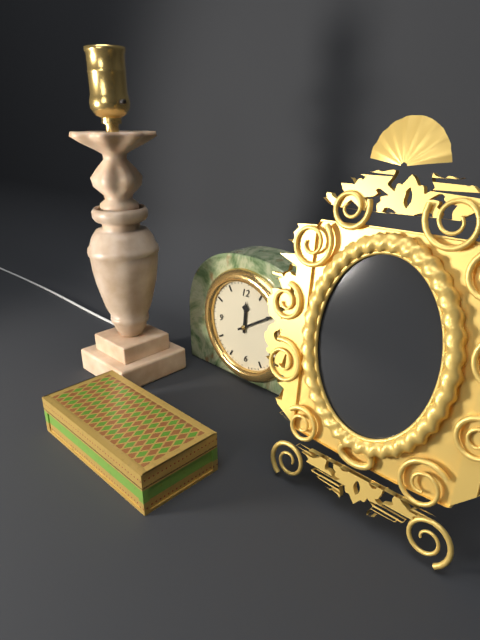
12:10
